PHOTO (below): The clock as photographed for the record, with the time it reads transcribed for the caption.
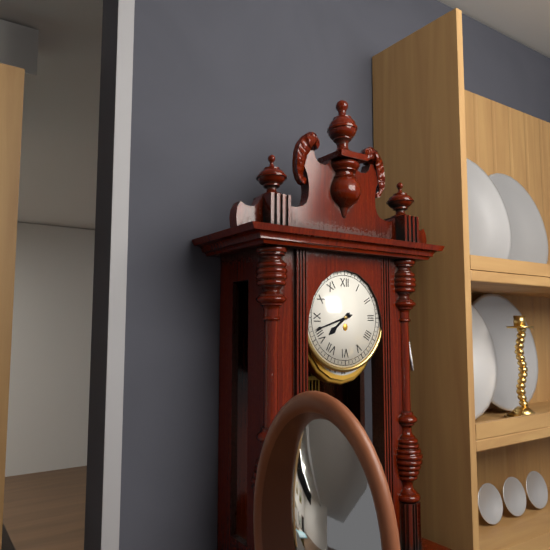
7:42
